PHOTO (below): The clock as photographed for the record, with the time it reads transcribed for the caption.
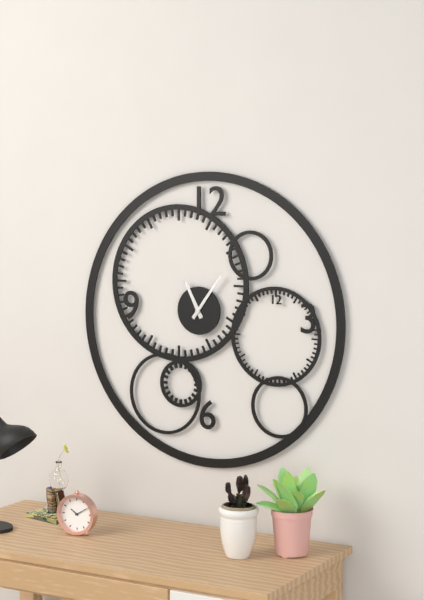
11:06
